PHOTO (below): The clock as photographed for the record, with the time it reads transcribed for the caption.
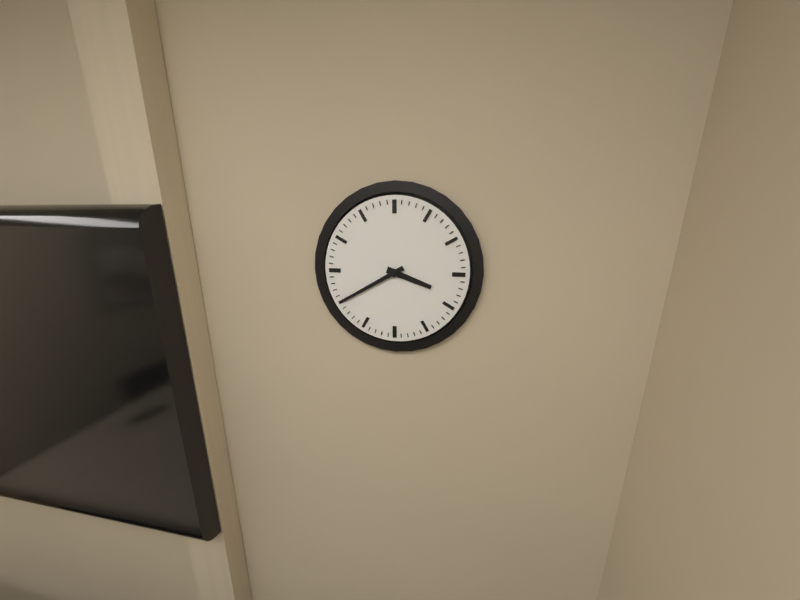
3:40
